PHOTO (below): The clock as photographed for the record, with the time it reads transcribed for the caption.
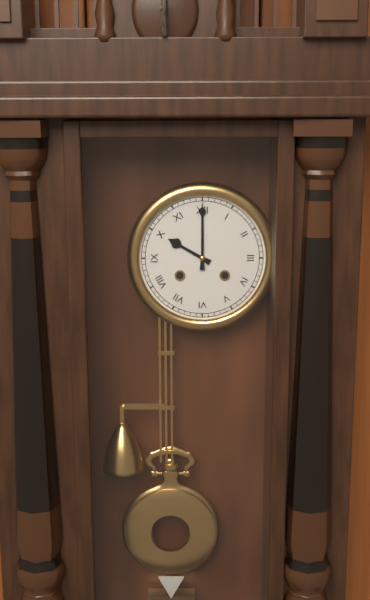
10:00
